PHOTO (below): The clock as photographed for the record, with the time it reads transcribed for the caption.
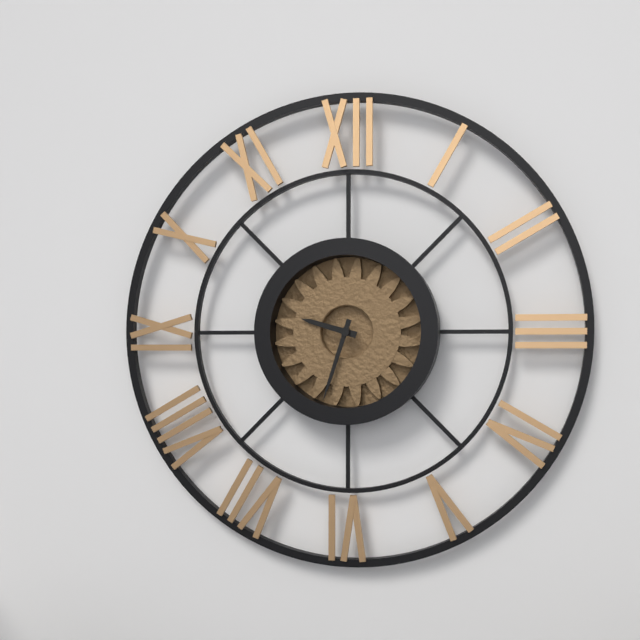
9:33
